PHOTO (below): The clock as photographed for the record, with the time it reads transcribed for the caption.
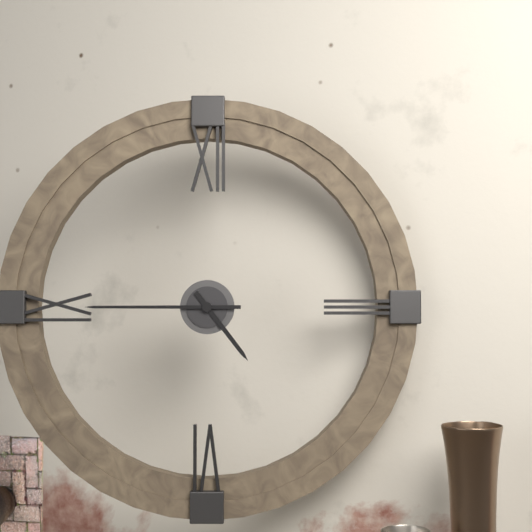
4:45
